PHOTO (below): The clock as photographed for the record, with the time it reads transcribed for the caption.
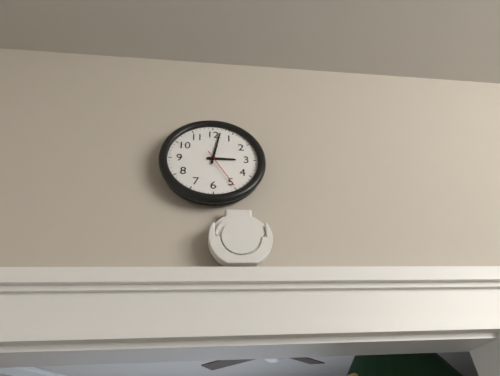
3:02
